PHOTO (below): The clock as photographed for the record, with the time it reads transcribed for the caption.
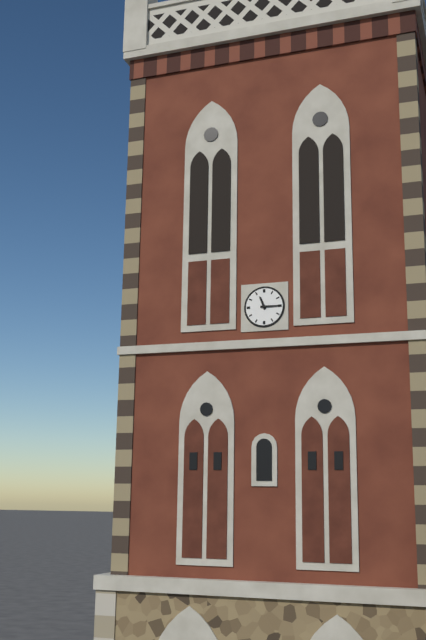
11:15
